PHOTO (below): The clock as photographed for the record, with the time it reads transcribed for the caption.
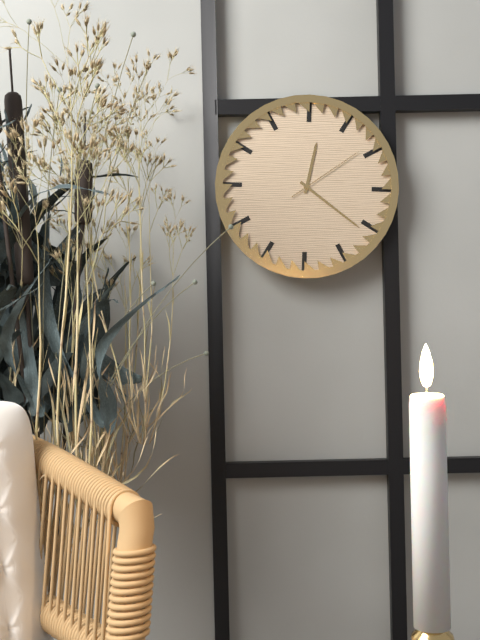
12:21:09
